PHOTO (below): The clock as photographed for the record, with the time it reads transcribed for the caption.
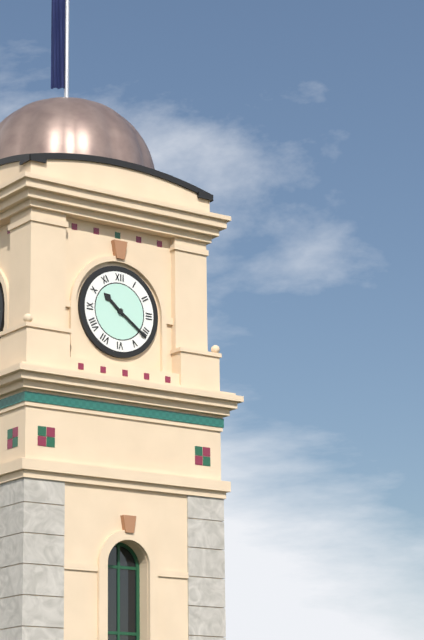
10:21
